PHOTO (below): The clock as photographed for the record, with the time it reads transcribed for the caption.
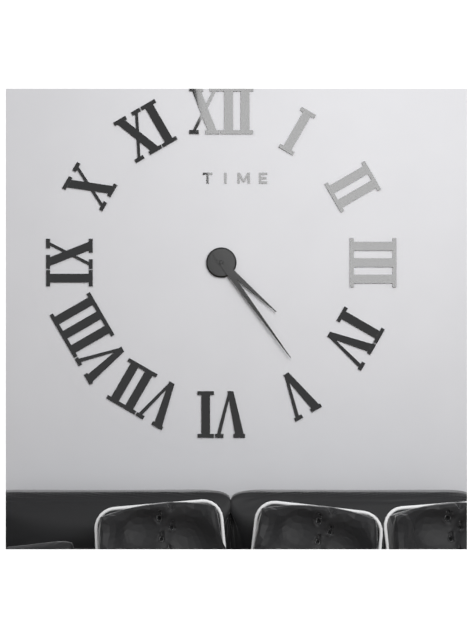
4:24
